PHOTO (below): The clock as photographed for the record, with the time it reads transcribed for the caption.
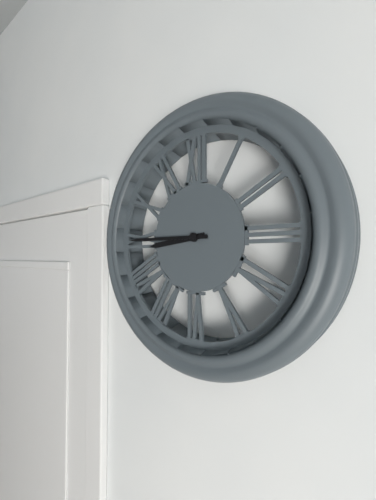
8:45
